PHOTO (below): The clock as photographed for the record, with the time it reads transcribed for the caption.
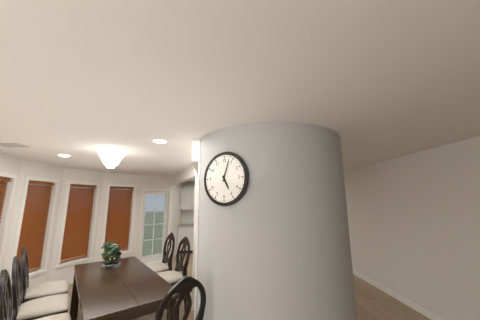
5:03
